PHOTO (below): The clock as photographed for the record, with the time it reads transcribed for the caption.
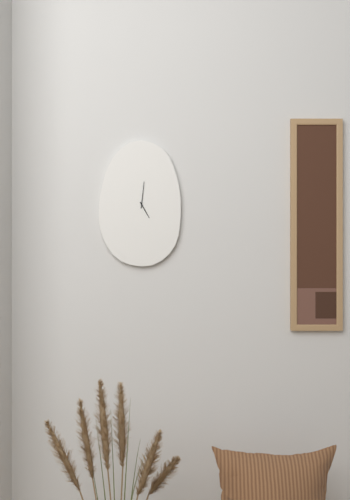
5:01
